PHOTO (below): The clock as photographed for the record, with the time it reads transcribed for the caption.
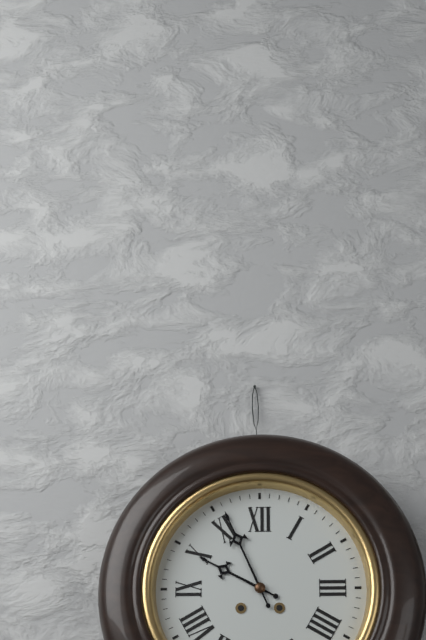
9:56
